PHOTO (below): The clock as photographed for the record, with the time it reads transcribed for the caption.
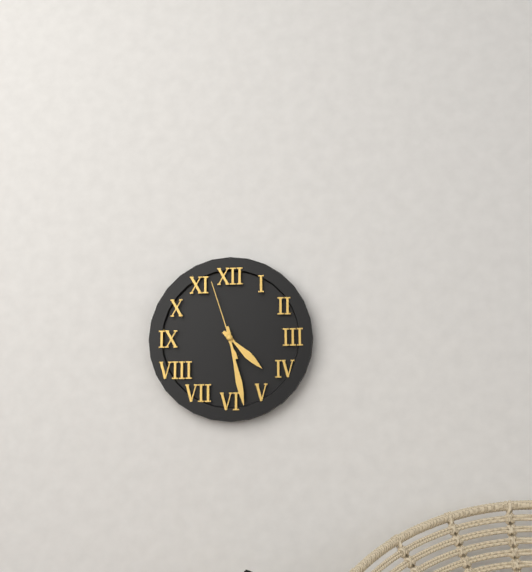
4:28:57
